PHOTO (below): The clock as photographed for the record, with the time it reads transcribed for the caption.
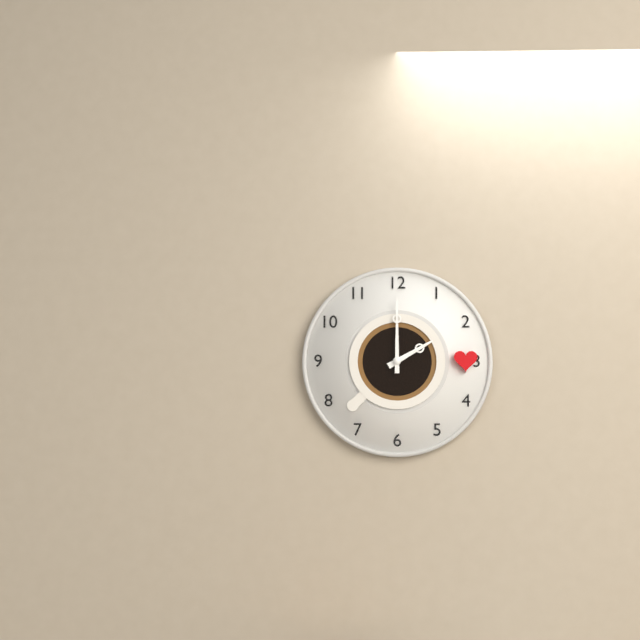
2:00
